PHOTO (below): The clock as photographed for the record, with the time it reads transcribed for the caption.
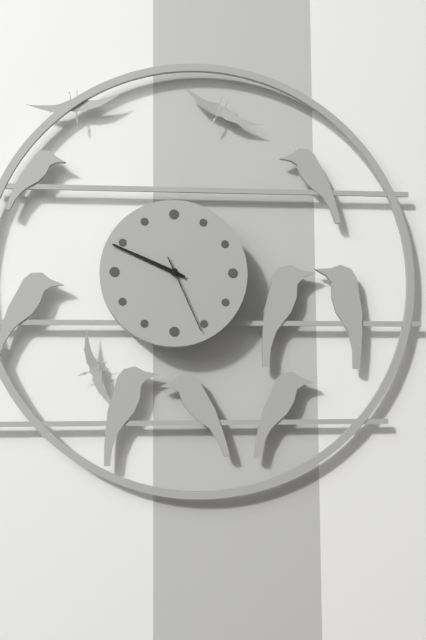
9:49:26
